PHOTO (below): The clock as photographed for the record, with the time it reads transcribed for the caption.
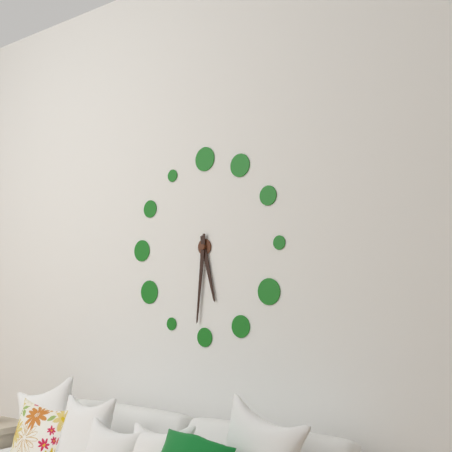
5:31
